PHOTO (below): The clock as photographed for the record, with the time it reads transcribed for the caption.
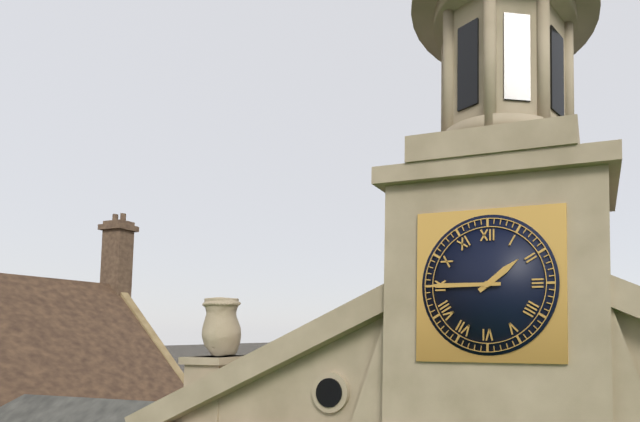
1:45
